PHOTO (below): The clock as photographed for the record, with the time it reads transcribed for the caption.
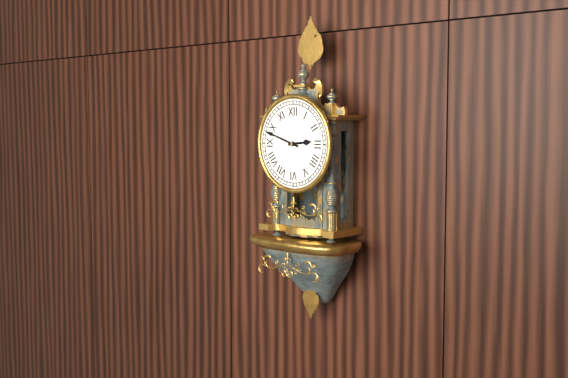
2:48
